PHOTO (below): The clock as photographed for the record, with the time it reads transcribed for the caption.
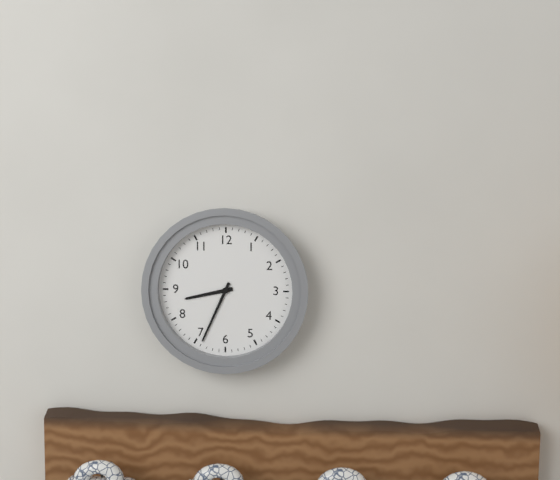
8:34
